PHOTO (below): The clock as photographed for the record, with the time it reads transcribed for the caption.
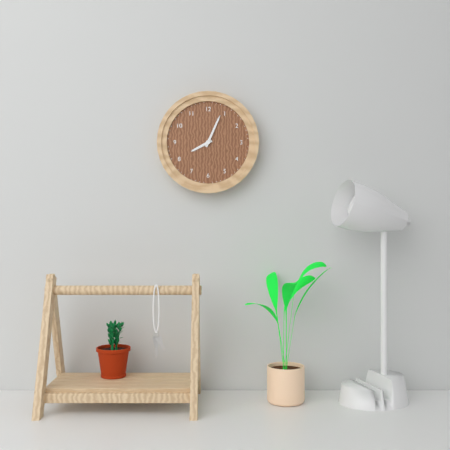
8:04
